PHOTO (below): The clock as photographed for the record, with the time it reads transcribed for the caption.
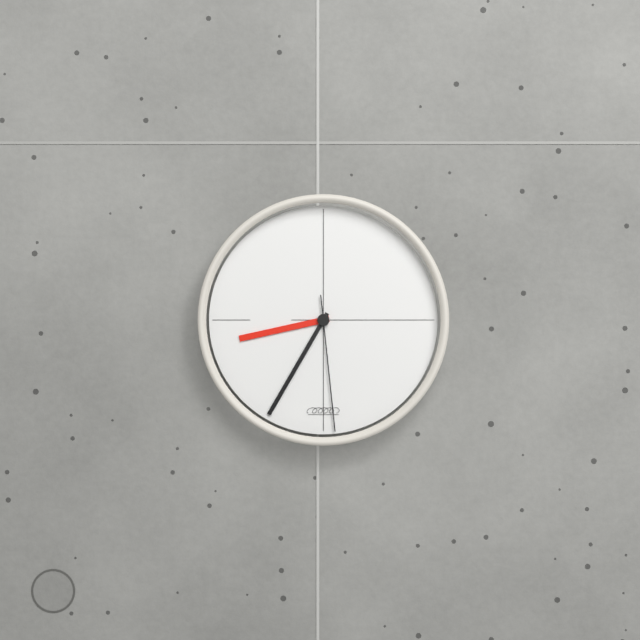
8:35:29
